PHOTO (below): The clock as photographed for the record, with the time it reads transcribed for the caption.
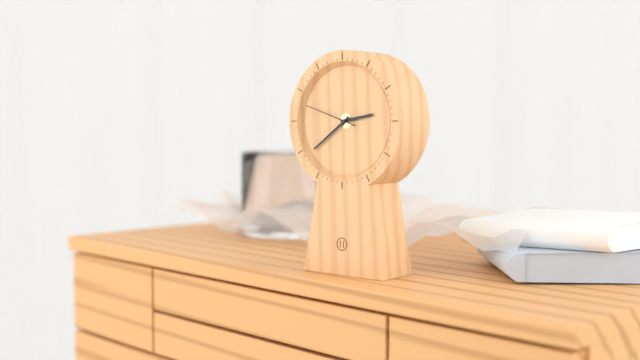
2:39:48
